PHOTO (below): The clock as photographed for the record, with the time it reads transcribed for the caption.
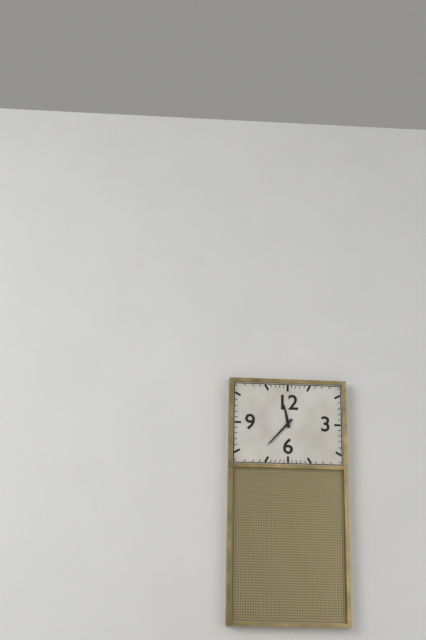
11:37
